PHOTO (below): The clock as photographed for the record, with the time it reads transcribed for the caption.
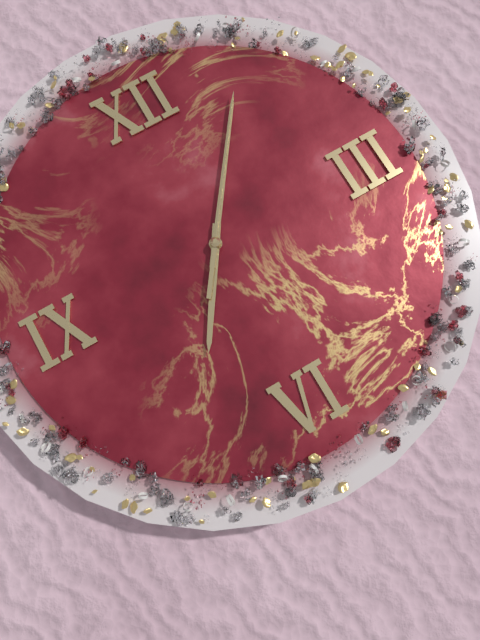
7:06:06
